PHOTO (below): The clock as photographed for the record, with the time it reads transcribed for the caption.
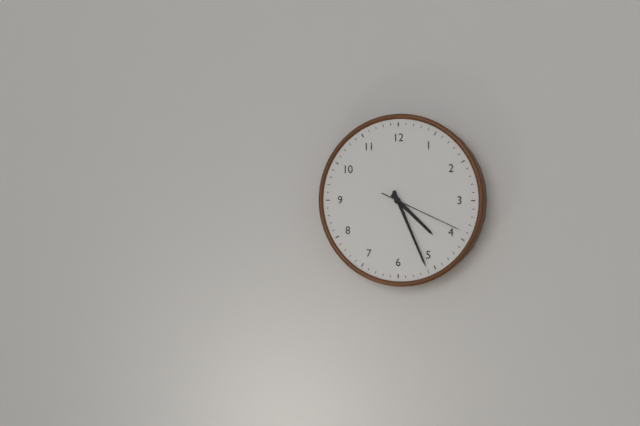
4:26:19
